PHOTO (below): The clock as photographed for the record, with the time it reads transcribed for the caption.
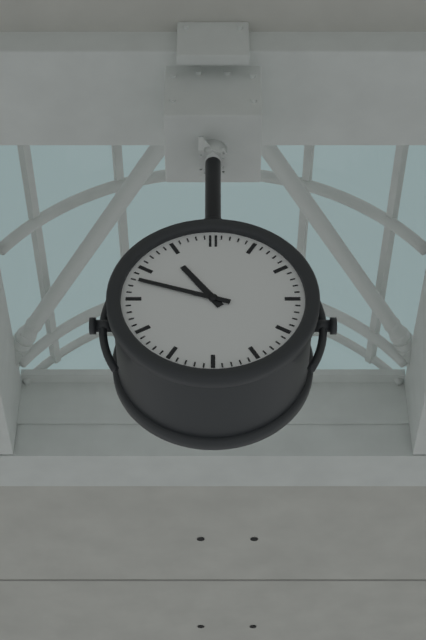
10:48
